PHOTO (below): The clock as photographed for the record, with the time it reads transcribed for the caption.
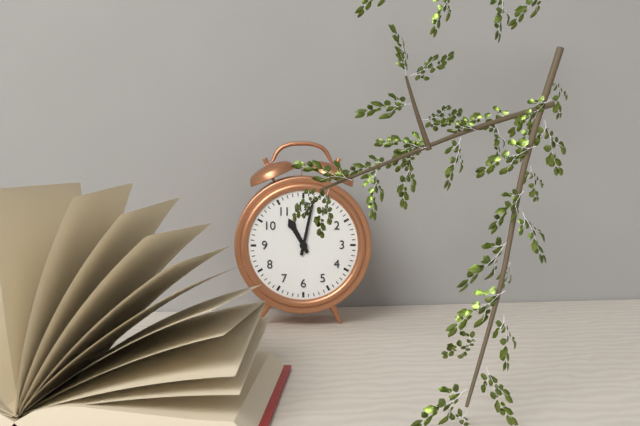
11:02
